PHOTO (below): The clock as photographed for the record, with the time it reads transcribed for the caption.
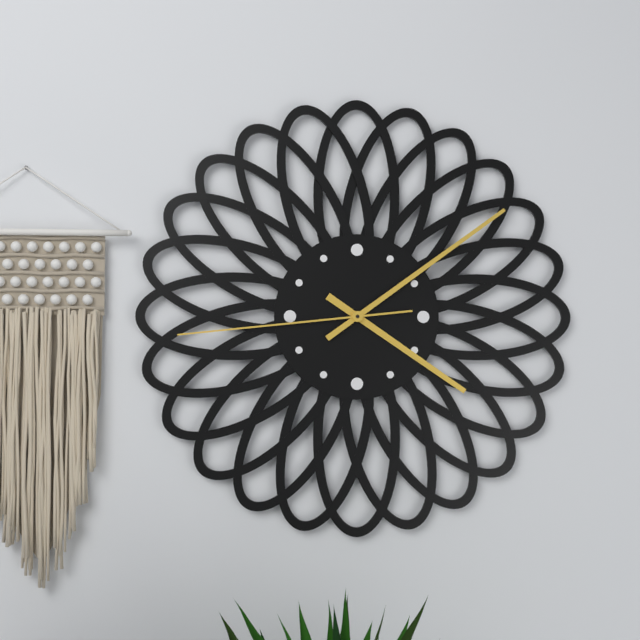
4:09:44
